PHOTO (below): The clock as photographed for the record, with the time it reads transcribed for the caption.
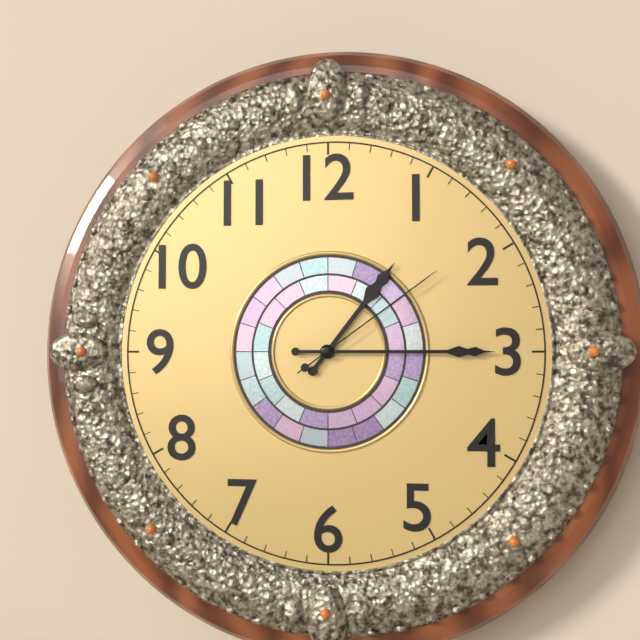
1:15:09
